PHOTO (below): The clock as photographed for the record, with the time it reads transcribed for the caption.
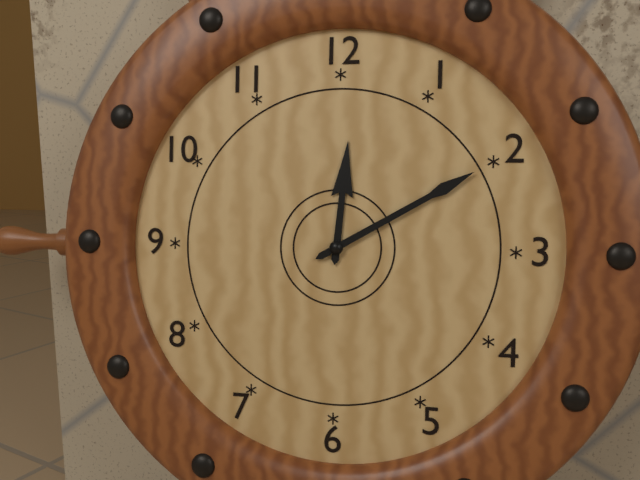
12:10
